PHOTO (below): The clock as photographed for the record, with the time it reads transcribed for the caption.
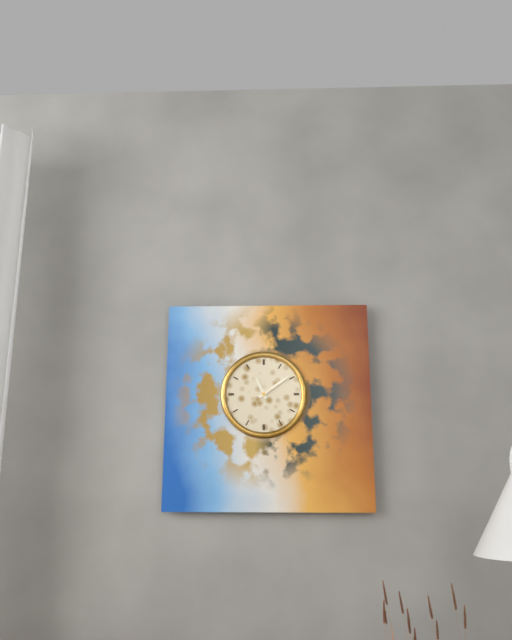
11:09
